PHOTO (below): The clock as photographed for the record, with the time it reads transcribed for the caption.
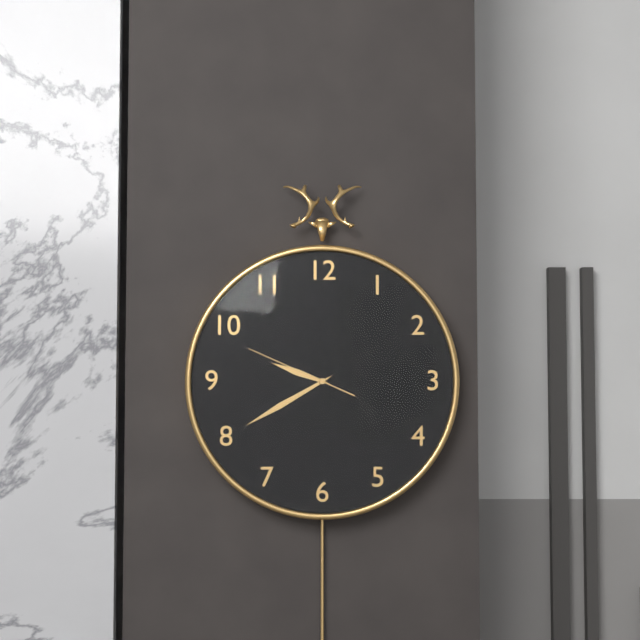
9:40:49
